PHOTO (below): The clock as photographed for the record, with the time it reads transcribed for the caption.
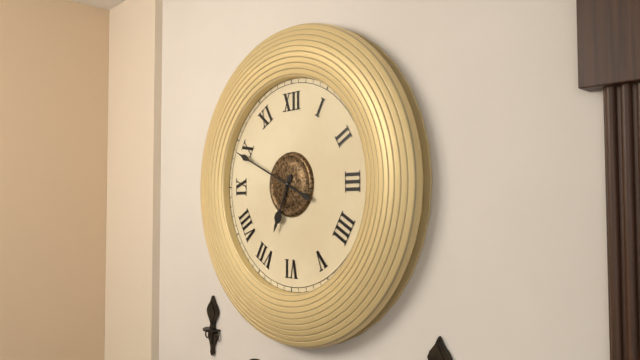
6:49
